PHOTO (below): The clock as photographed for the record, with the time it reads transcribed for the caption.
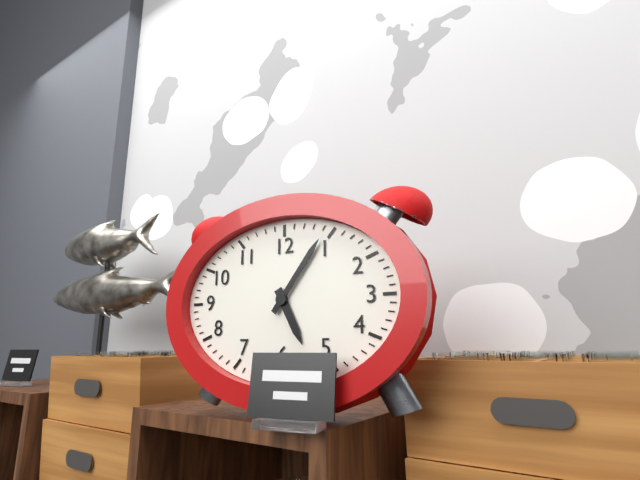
5:06
